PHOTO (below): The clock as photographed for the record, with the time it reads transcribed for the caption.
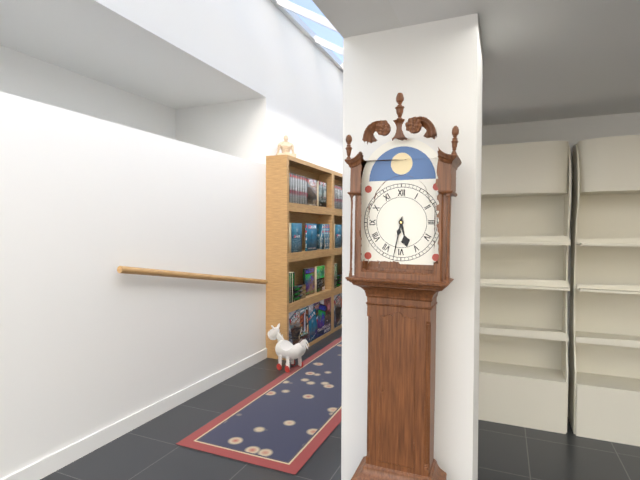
5:32
